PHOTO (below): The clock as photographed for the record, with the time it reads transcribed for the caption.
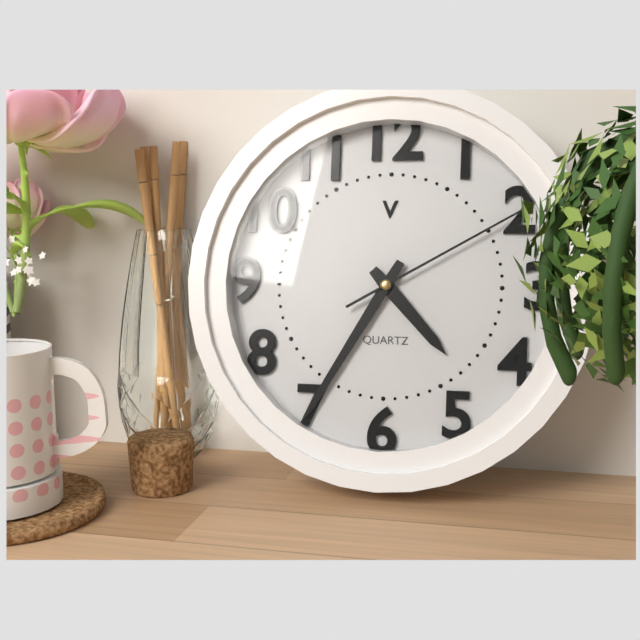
4:35:10
